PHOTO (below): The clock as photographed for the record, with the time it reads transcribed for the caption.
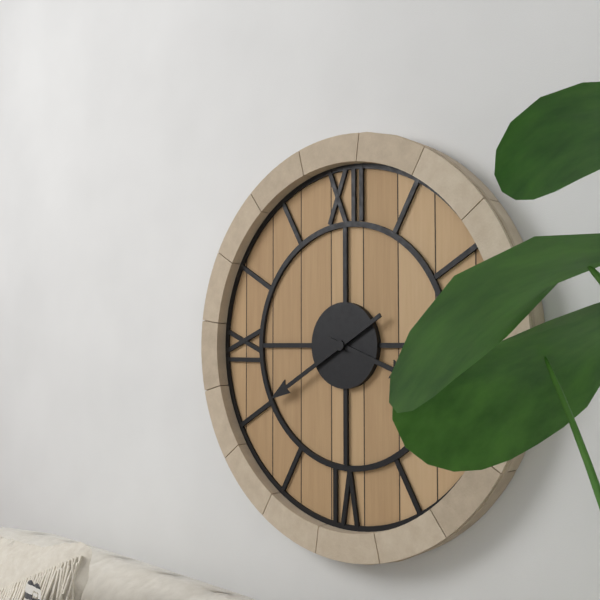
3:40
